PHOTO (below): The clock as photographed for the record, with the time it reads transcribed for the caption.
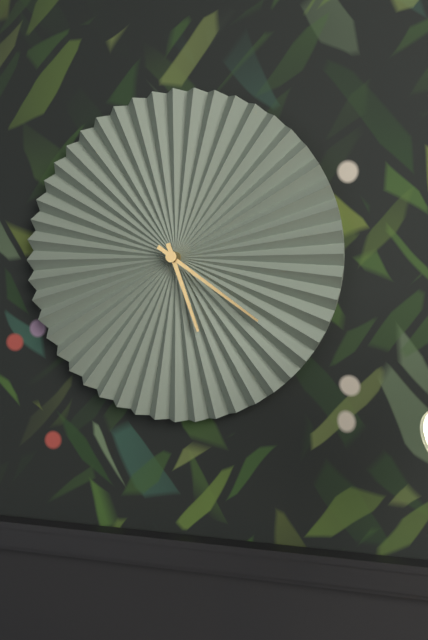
5:21
